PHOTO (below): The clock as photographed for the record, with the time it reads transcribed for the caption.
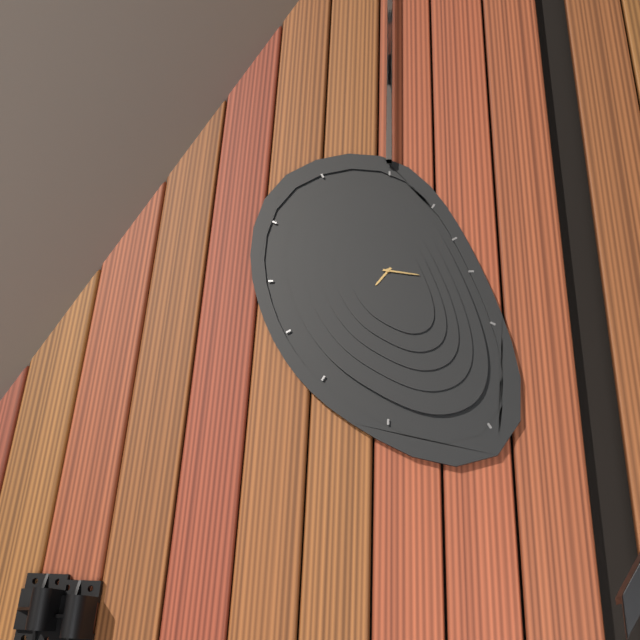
7:17
